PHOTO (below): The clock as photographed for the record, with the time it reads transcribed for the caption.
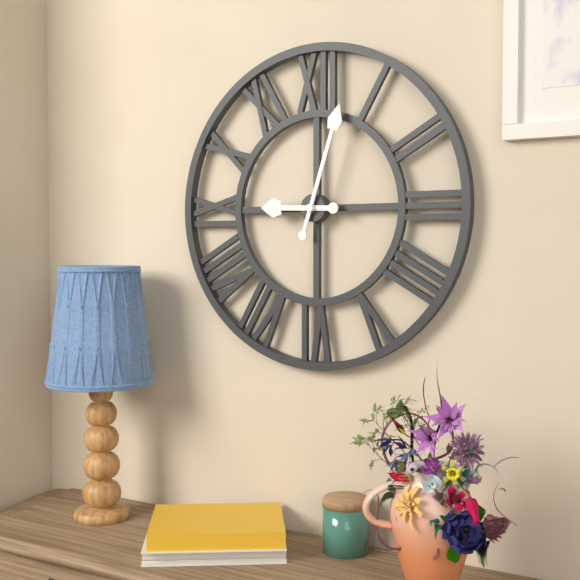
9:03
